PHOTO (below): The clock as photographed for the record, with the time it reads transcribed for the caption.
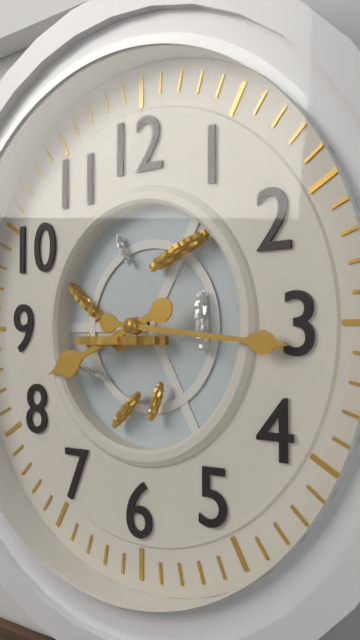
8:16
